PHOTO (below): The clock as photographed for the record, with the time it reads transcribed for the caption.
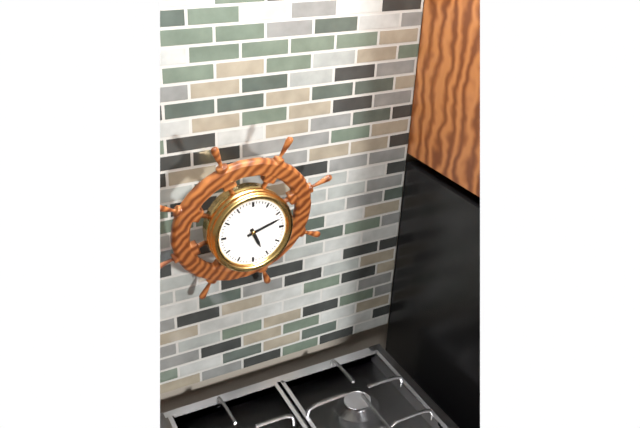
5:12
